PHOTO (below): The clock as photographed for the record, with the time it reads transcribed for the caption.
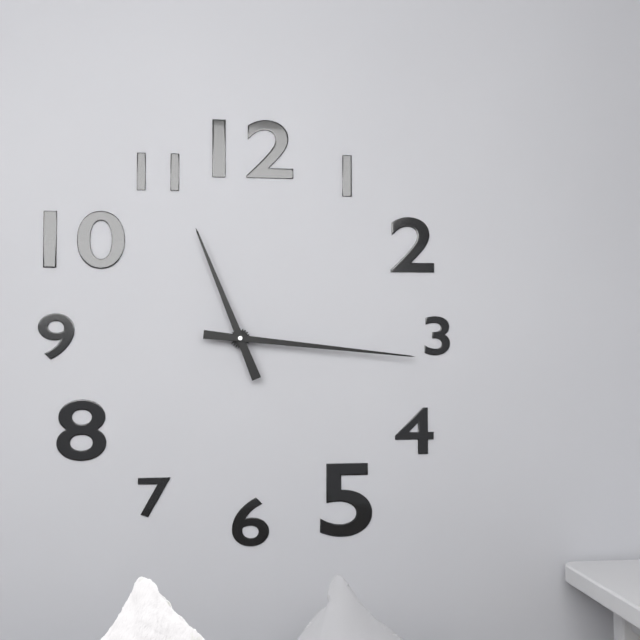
11:16
